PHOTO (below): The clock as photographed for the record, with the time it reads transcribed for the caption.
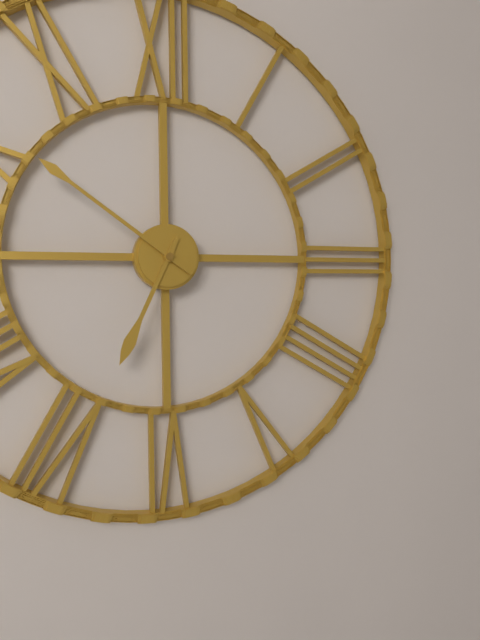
6:51
